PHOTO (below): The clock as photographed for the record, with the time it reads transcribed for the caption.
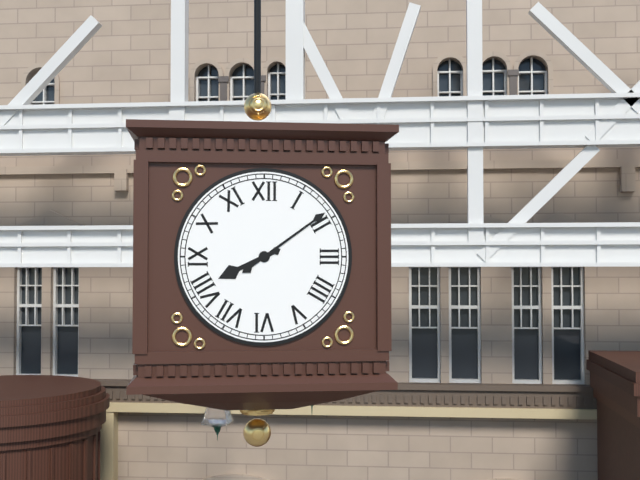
8:09
